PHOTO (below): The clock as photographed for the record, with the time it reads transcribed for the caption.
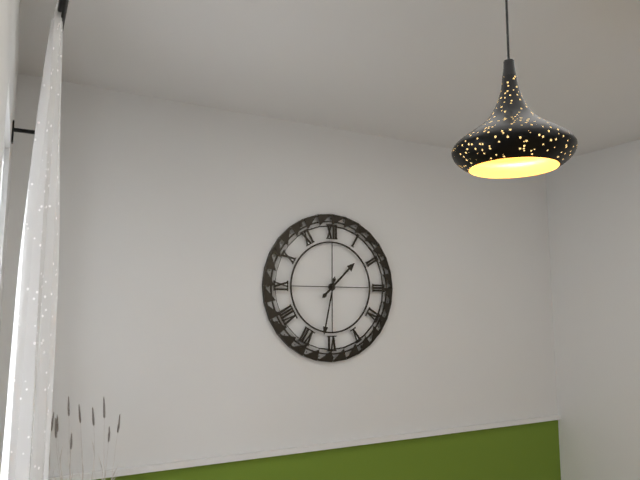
1:32
